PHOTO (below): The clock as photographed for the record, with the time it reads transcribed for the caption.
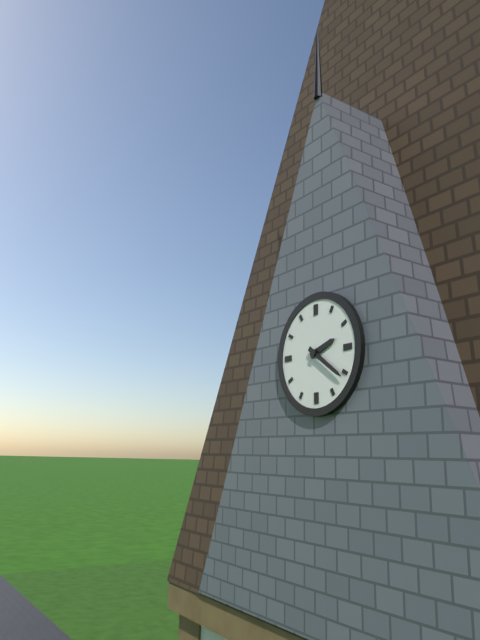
2:21
